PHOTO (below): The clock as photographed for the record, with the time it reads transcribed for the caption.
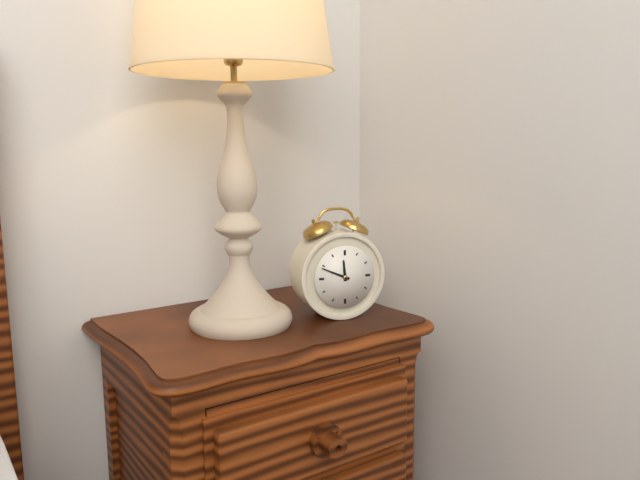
11:49
